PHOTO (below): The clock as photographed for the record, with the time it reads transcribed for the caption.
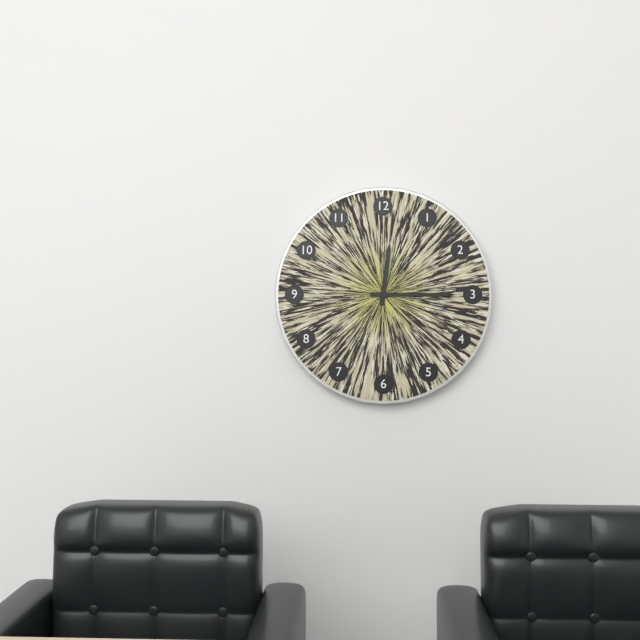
12:15
